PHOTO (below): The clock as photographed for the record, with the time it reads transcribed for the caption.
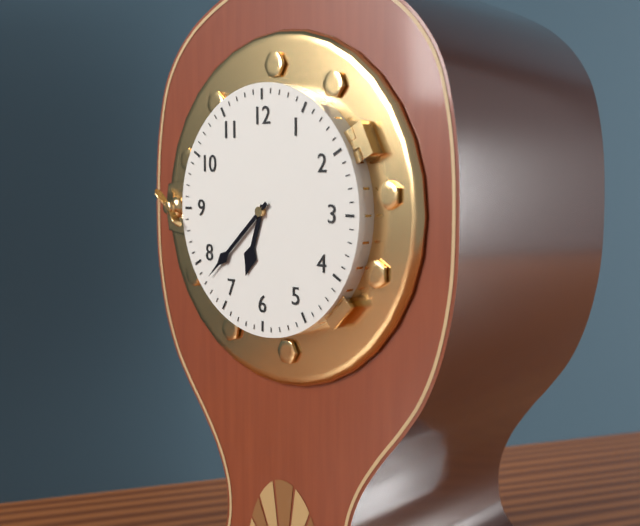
6:38
